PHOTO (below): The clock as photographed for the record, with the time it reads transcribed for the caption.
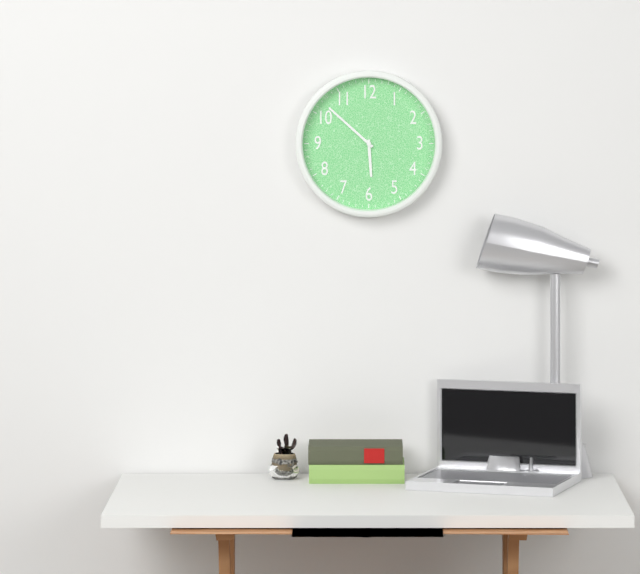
5:52
